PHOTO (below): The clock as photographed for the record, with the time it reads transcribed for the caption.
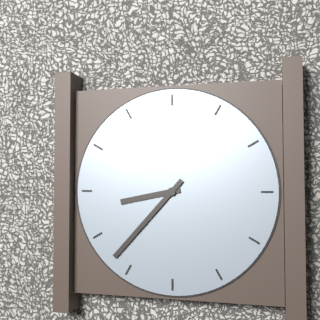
8:37
